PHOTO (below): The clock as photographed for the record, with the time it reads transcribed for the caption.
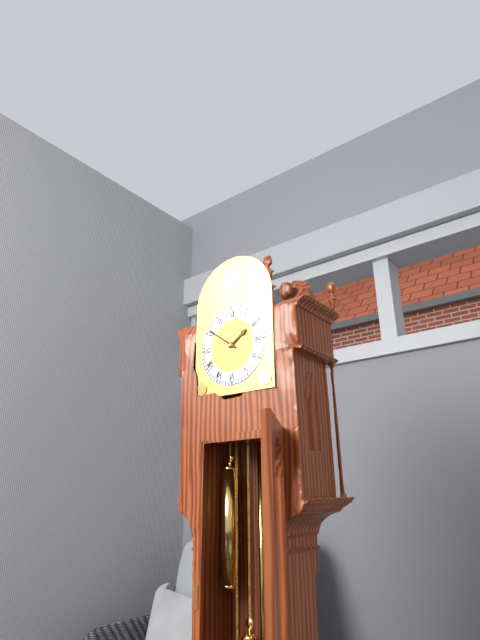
1:51
